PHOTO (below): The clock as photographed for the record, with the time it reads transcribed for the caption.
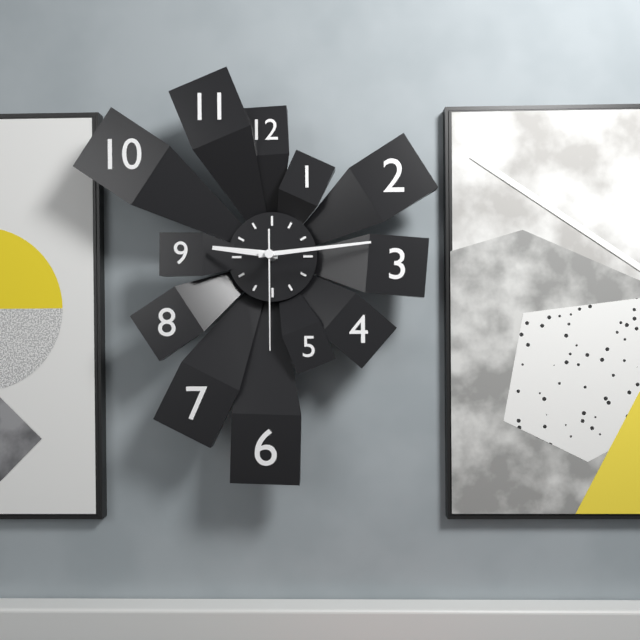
9:14:30
